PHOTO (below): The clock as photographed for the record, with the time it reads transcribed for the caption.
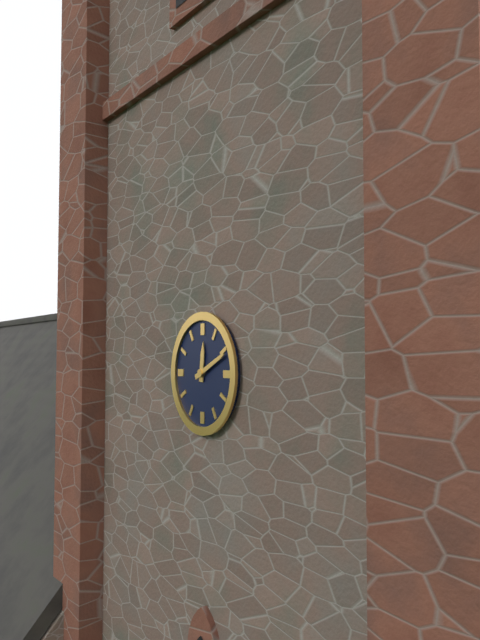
12:11
